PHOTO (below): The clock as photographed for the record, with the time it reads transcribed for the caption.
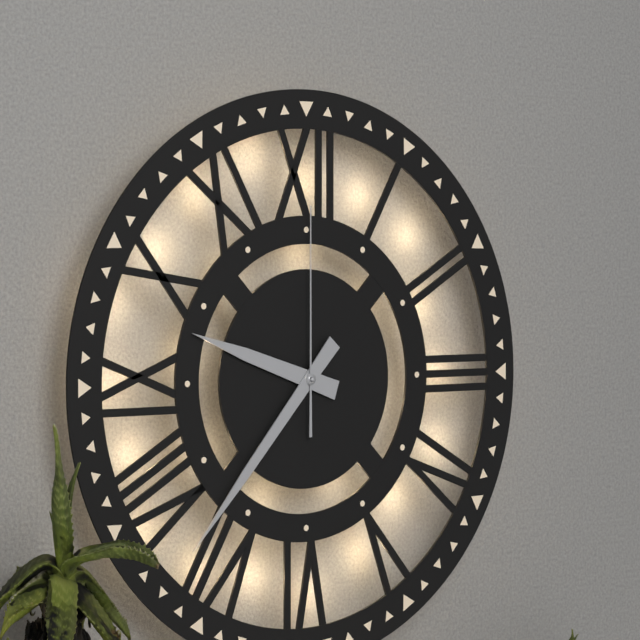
9:37:00
